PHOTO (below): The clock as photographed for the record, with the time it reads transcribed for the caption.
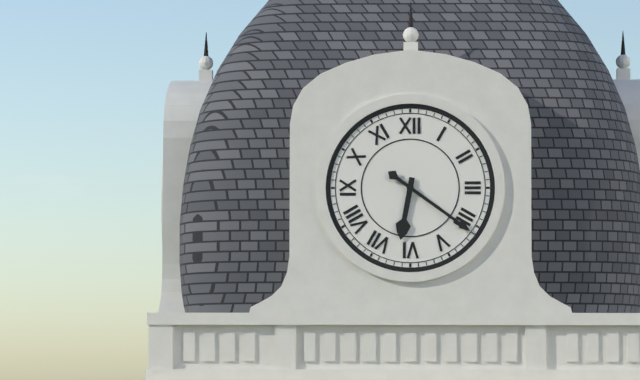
6:21
